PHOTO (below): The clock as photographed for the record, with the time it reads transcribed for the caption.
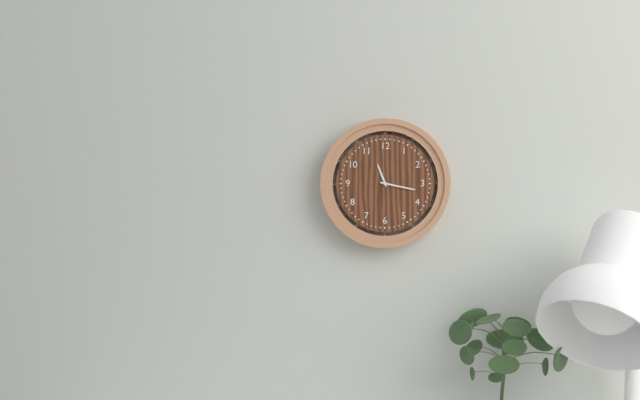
11:17
